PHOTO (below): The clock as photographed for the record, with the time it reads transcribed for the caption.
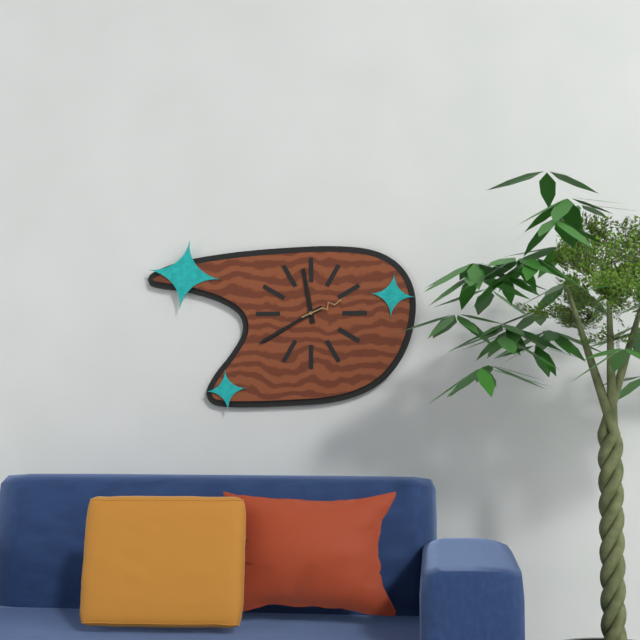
11:40
